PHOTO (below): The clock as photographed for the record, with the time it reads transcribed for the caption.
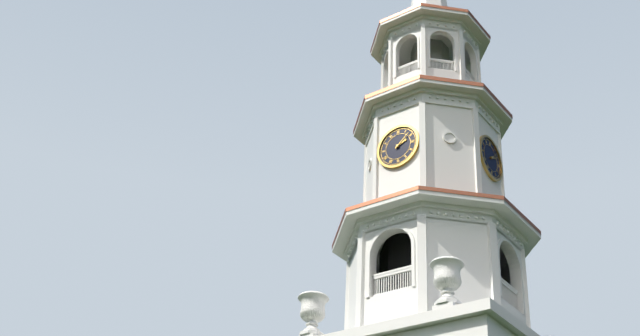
2:08
